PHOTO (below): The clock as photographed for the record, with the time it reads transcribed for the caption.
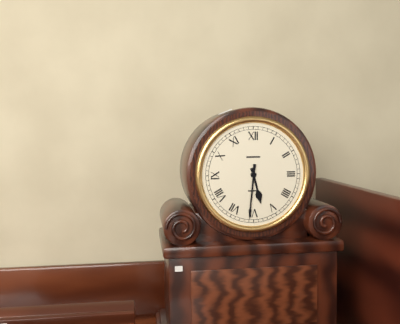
5:31
